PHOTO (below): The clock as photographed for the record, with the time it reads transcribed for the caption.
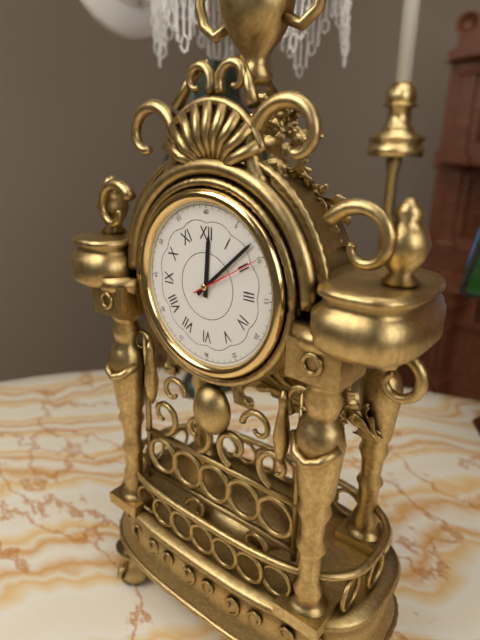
12:08:10
